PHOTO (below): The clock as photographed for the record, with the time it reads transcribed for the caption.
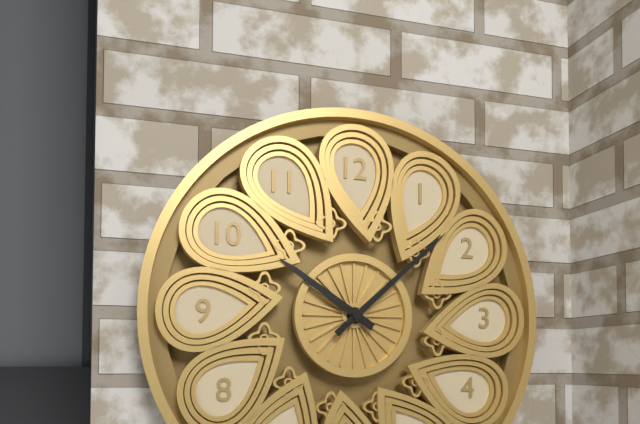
10:08
